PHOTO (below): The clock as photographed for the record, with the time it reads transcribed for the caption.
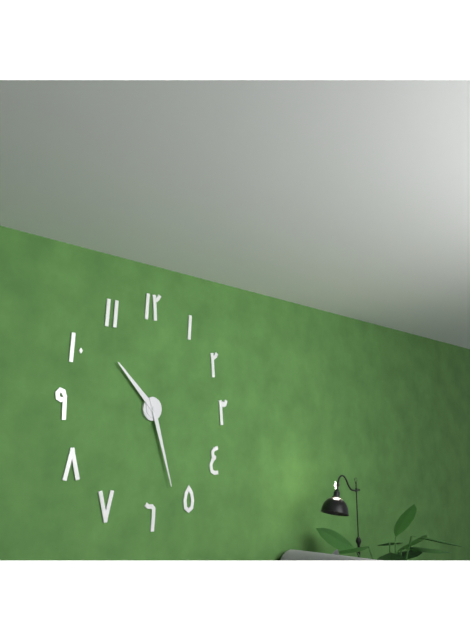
10:27
